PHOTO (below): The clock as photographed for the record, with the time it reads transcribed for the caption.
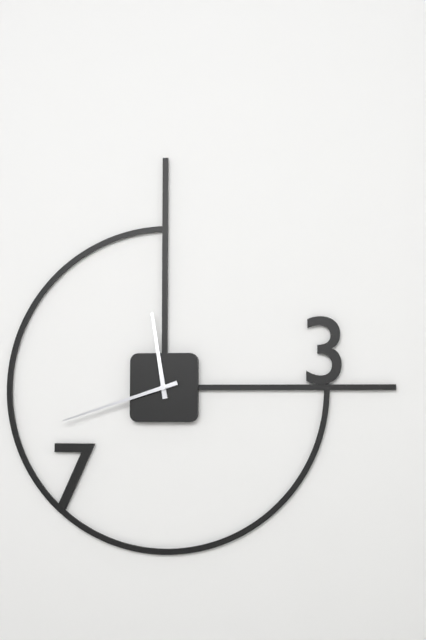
11:42
